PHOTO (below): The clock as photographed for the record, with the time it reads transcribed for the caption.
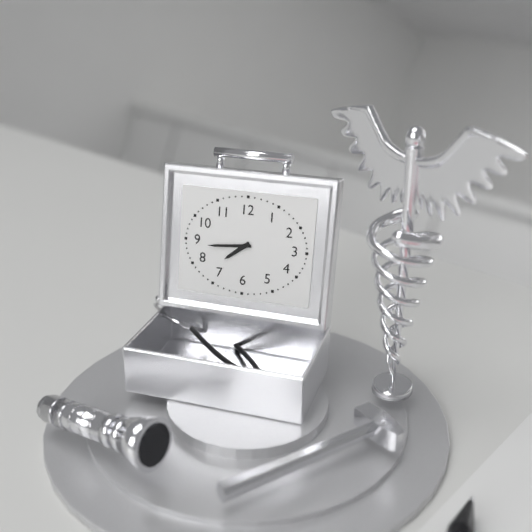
7:44
